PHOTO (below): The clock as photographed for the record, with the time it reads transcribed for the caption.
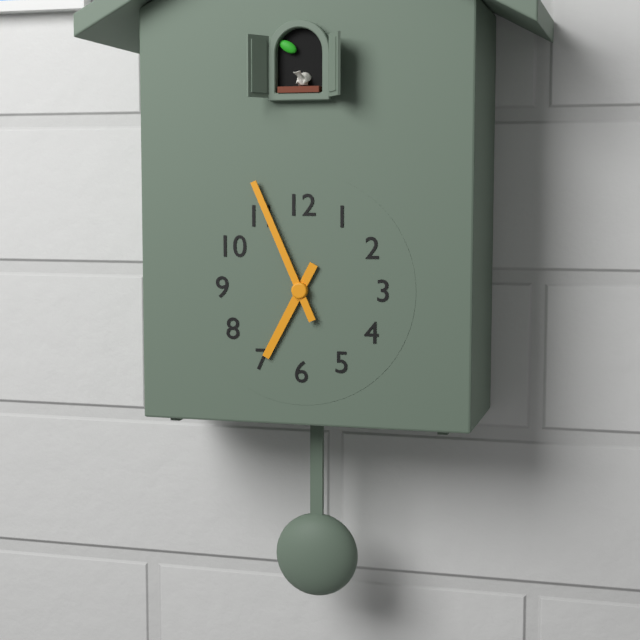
6:56
